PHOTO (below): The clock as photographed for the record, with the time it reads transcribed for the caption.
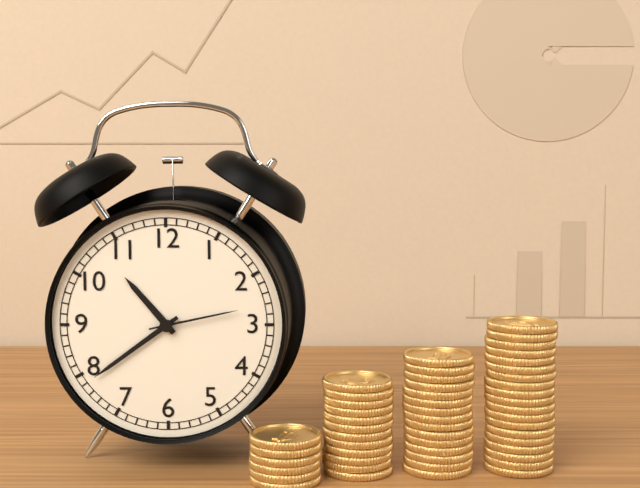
10:39:13
